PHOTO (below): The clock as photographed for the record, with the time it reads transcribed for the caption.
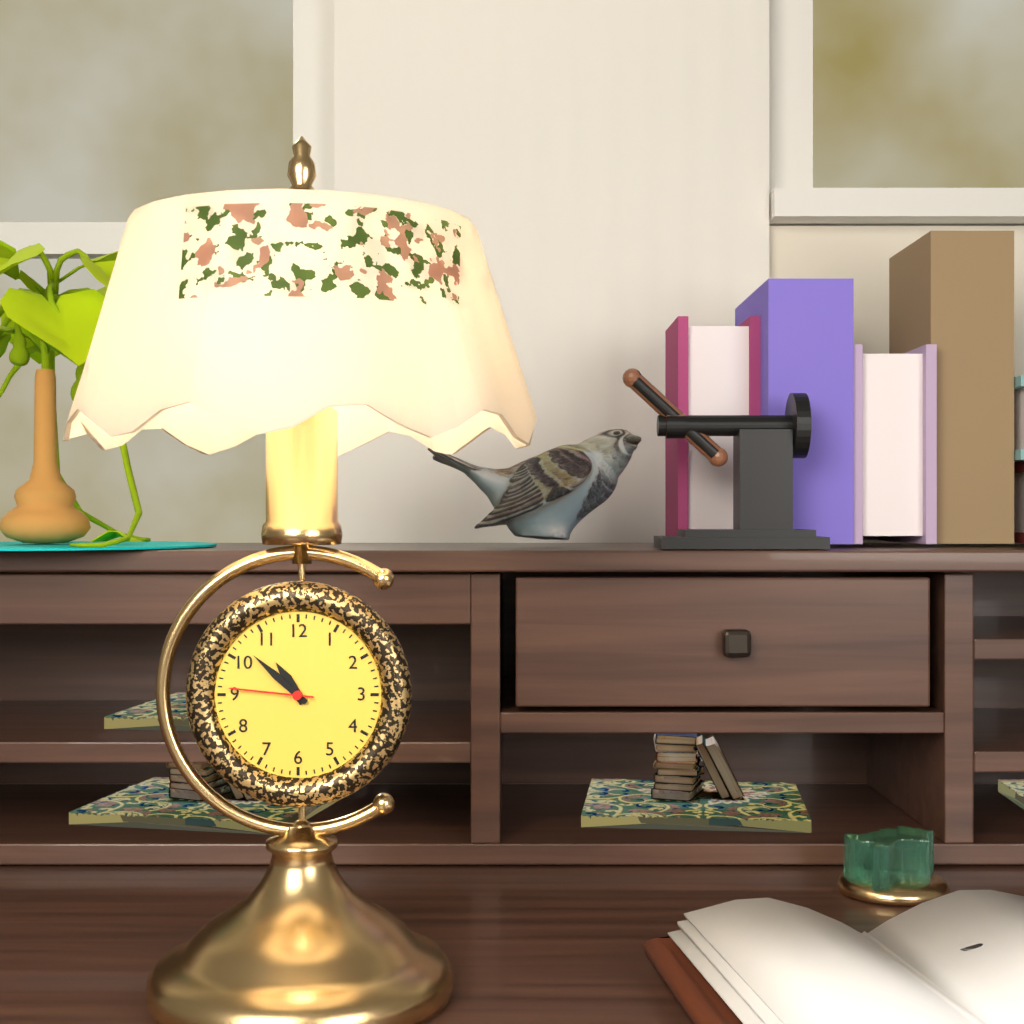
10:52:46
